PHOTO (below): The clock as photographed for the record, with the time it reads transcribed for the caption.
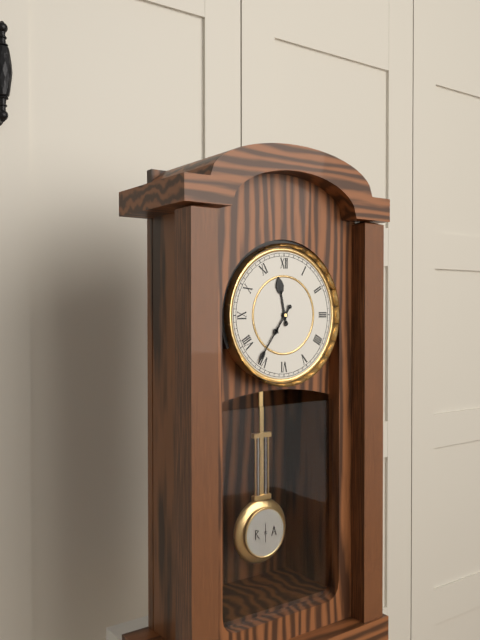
11:36
